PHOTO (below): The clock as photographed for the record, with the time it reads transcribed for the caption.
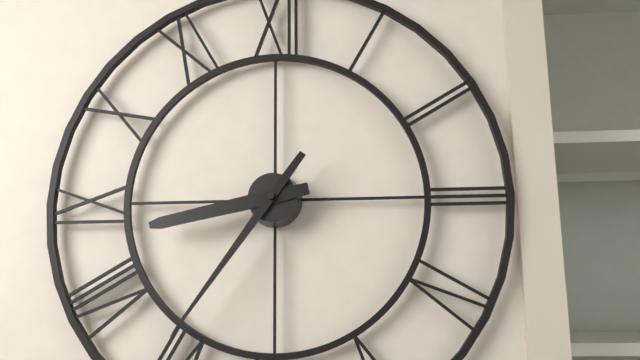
8:36
